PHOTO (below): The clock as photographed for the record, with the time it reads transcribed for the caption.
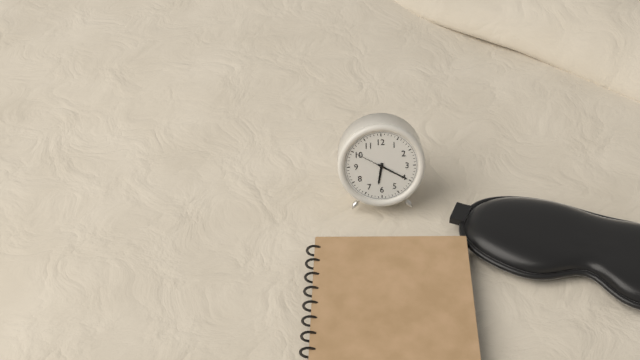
6:20
